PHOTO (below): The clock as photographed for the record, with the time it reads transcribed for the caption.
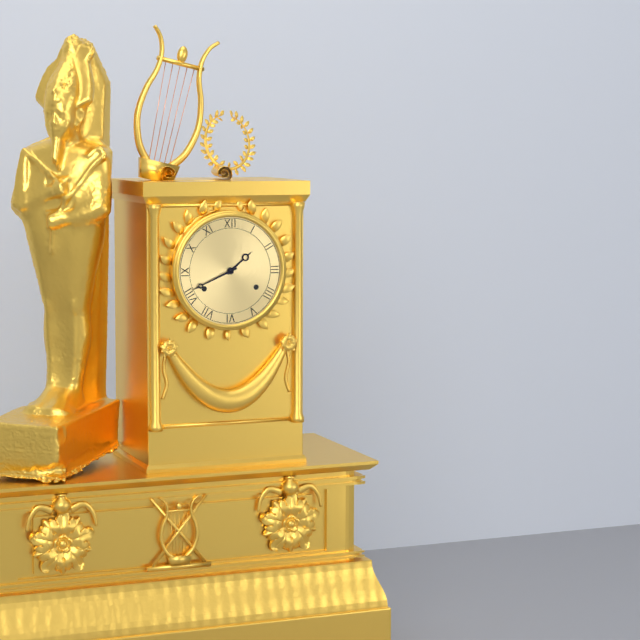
1:41
